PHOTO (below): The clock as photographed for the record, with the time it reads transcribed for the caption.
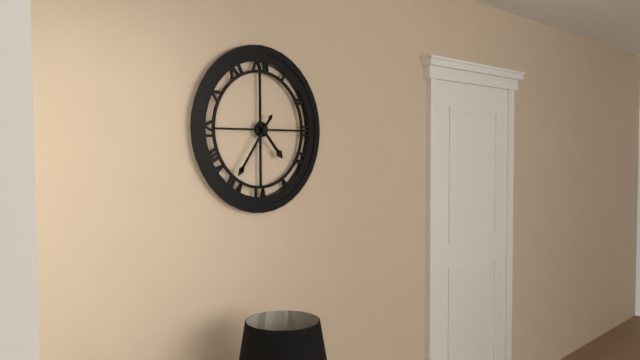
4:36
